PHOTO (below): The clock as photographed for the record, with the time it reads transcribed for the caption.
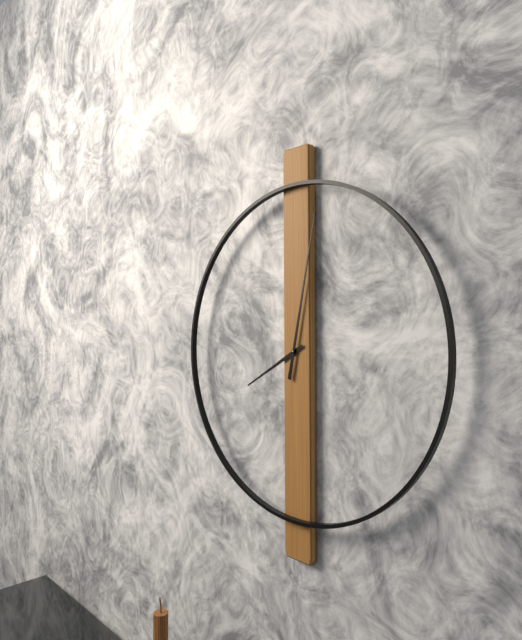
8:02
